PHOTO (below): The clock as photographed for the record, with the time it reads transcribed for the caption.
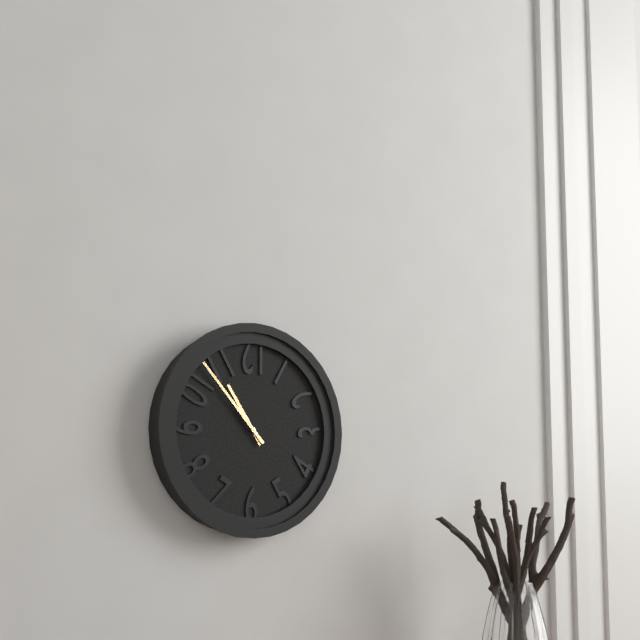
10:53
